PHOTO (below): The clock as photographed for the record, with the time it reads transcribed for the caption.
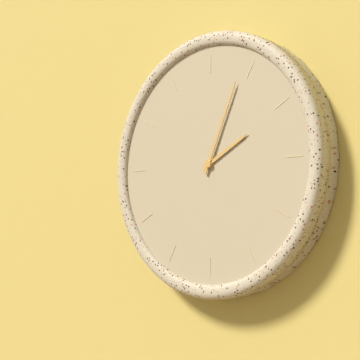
2:04
